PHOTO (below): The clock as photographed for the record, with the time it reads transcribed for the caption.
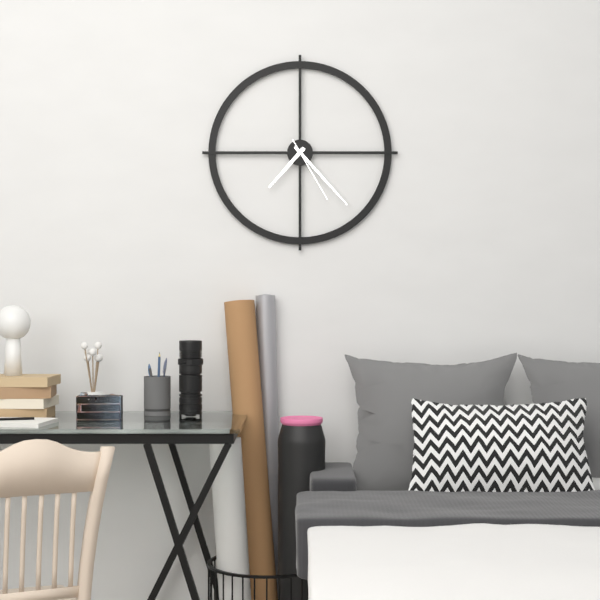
7:23:25
